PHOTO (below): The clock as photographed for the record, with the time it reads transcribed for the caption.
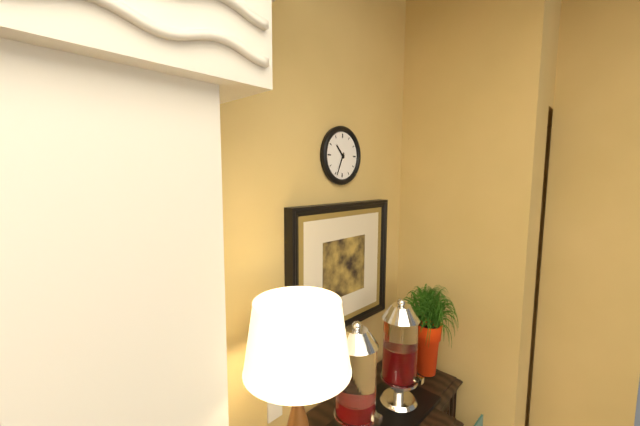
10:34
